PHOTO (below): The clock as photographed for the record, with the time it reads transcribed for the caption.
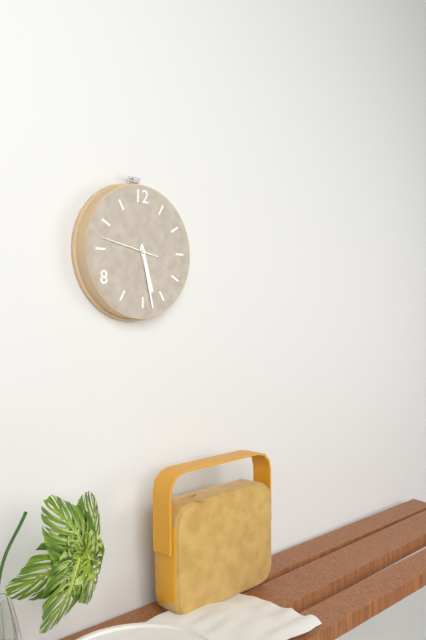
5:28:47
